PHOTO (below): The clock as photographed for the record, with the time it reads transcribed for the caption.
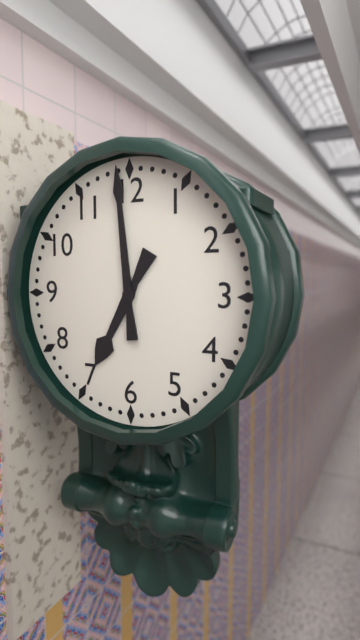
6:59
